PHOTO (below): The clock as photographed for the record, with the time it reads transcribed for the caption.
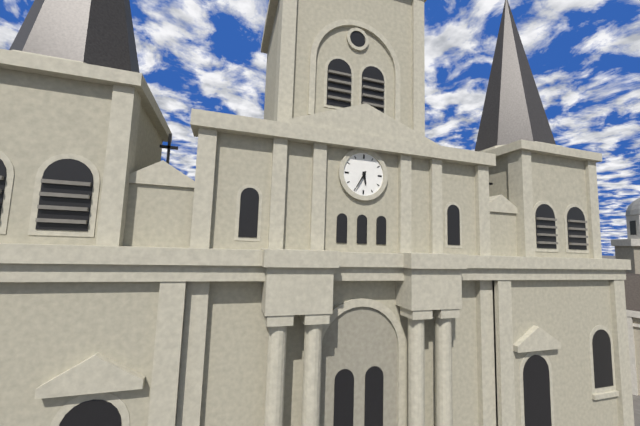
5:35
